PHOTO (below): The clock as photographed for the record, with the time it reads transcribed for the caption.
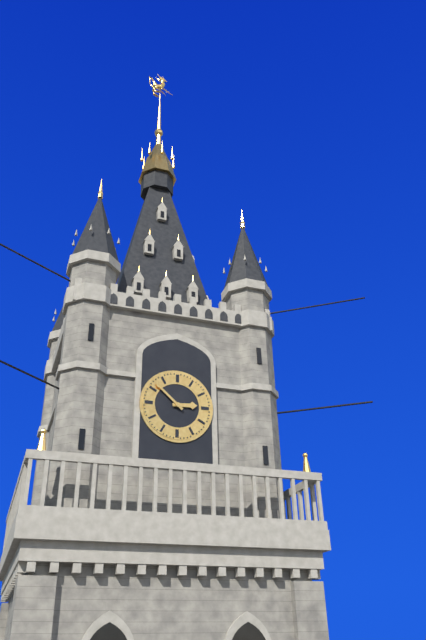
2:52
